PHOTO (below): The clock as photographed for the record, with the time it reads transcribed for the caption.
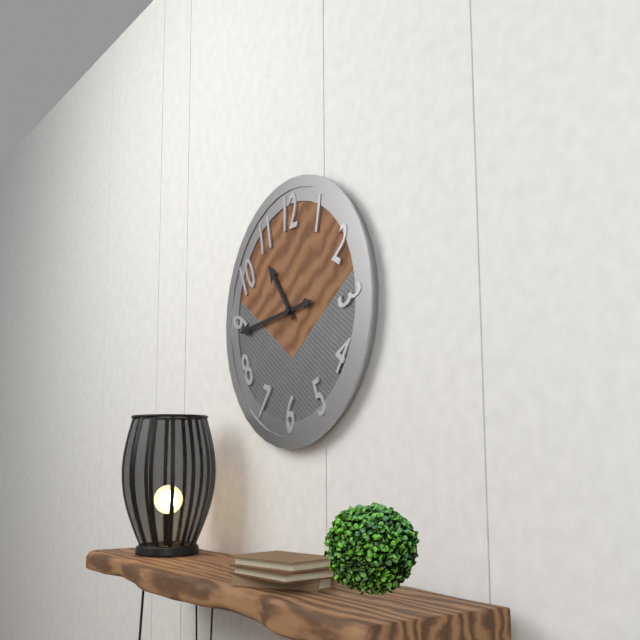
10:44
